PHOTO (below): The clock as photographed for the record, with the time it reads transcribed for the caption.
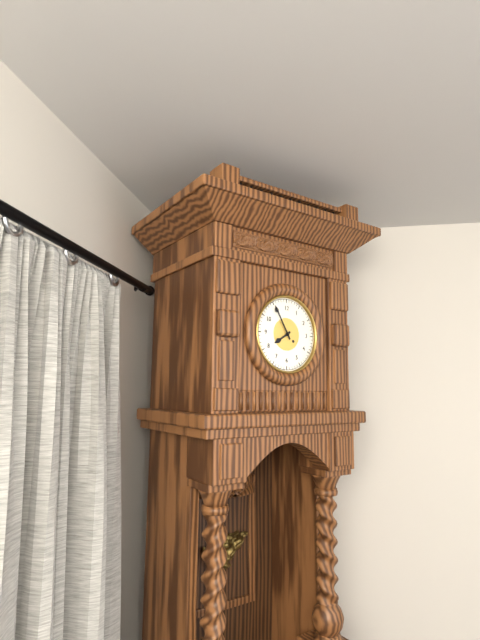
7:55
